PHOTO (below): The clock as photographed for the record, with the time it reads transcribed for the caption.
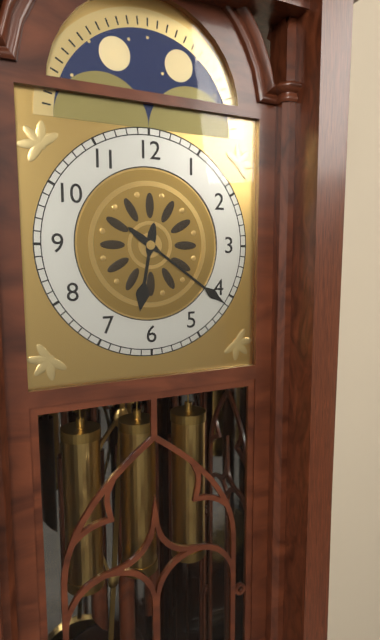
6:21
